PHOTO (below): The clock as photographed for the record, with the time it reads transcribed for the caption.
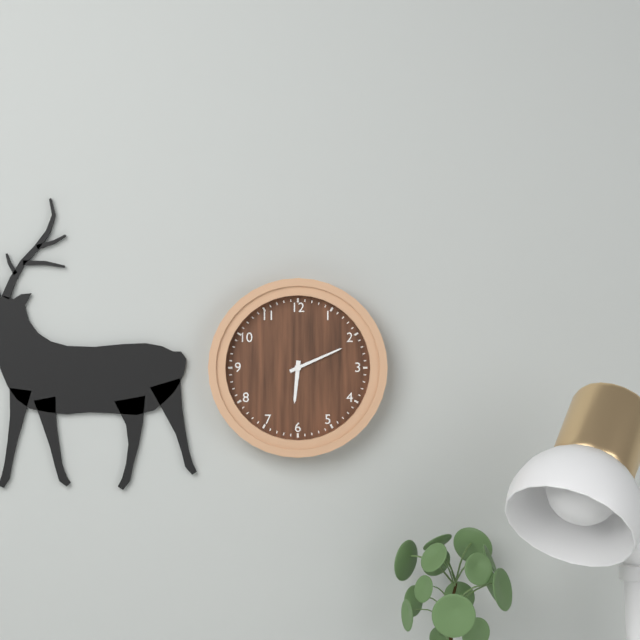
6:11
